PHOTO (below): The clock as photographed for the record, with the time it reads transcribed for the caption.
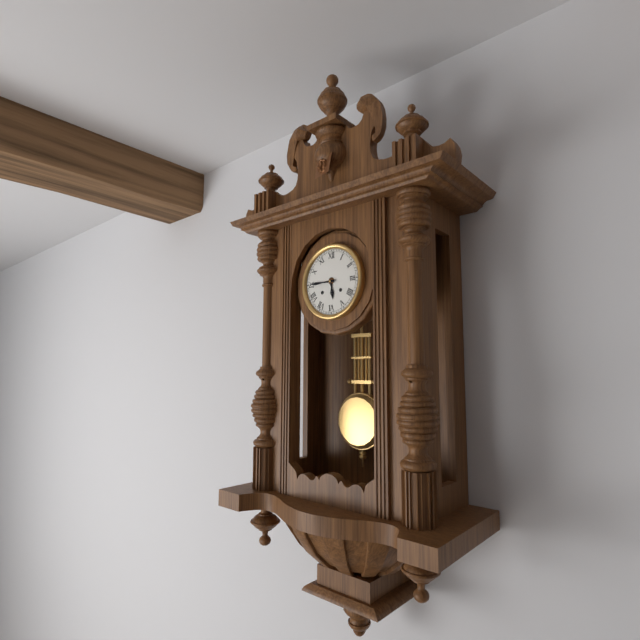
5:45
